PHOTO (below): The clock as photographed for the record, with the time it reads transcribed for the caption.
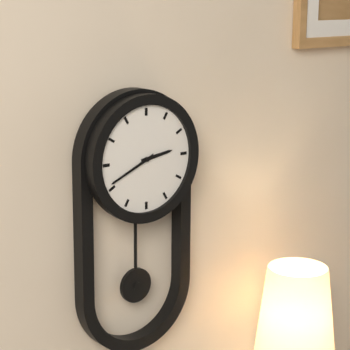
2:41
